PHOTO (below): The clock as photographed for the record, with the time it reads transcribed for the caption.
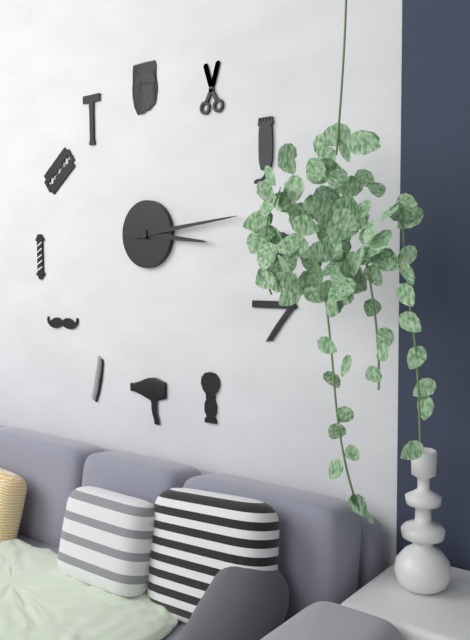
3:14
